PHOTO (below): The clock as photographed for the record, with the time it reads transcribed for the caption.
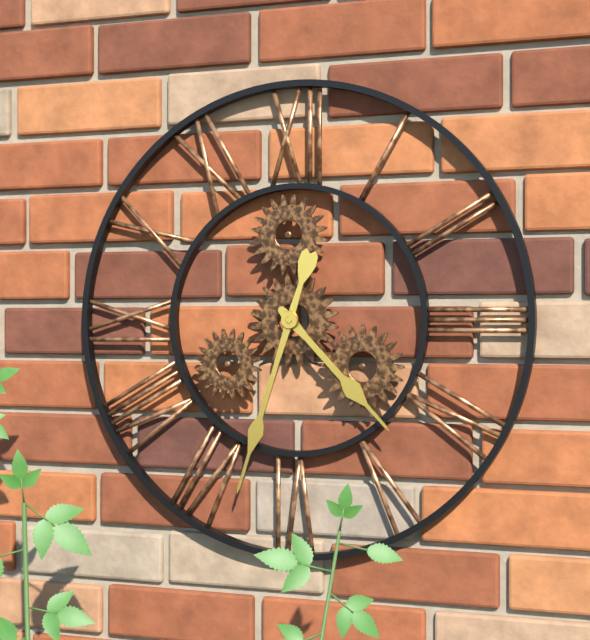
4:33
